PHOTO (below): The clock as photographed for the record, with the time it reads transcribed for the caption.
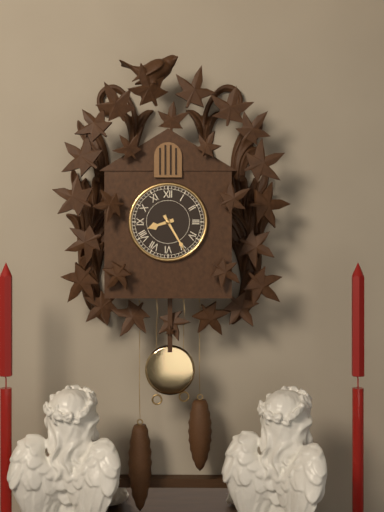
8:25
